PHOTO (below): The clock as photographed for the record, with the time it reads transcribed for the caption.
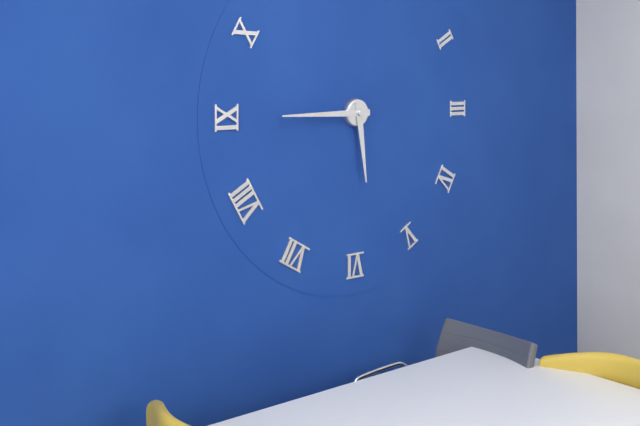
5:45
